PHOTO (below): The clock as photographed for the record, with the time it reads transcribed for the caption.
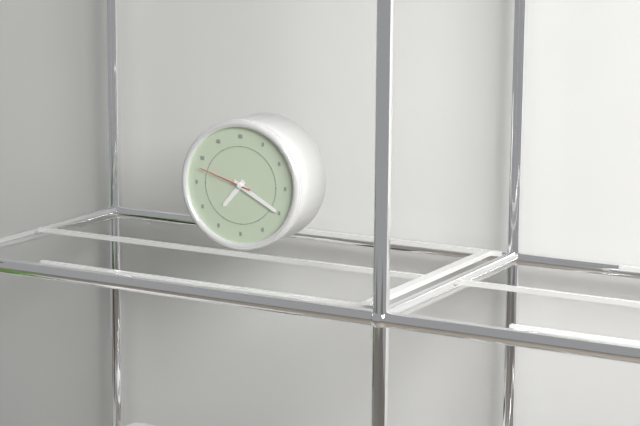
7:20:48
